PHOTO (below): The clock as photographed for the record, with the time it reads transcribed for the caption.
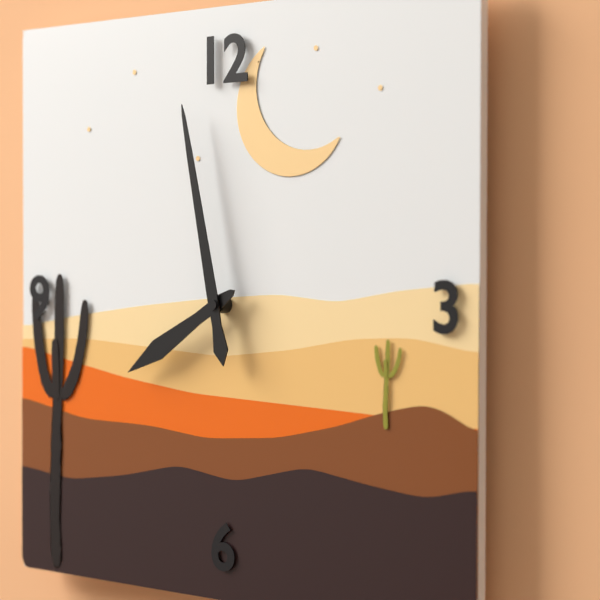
7:58
